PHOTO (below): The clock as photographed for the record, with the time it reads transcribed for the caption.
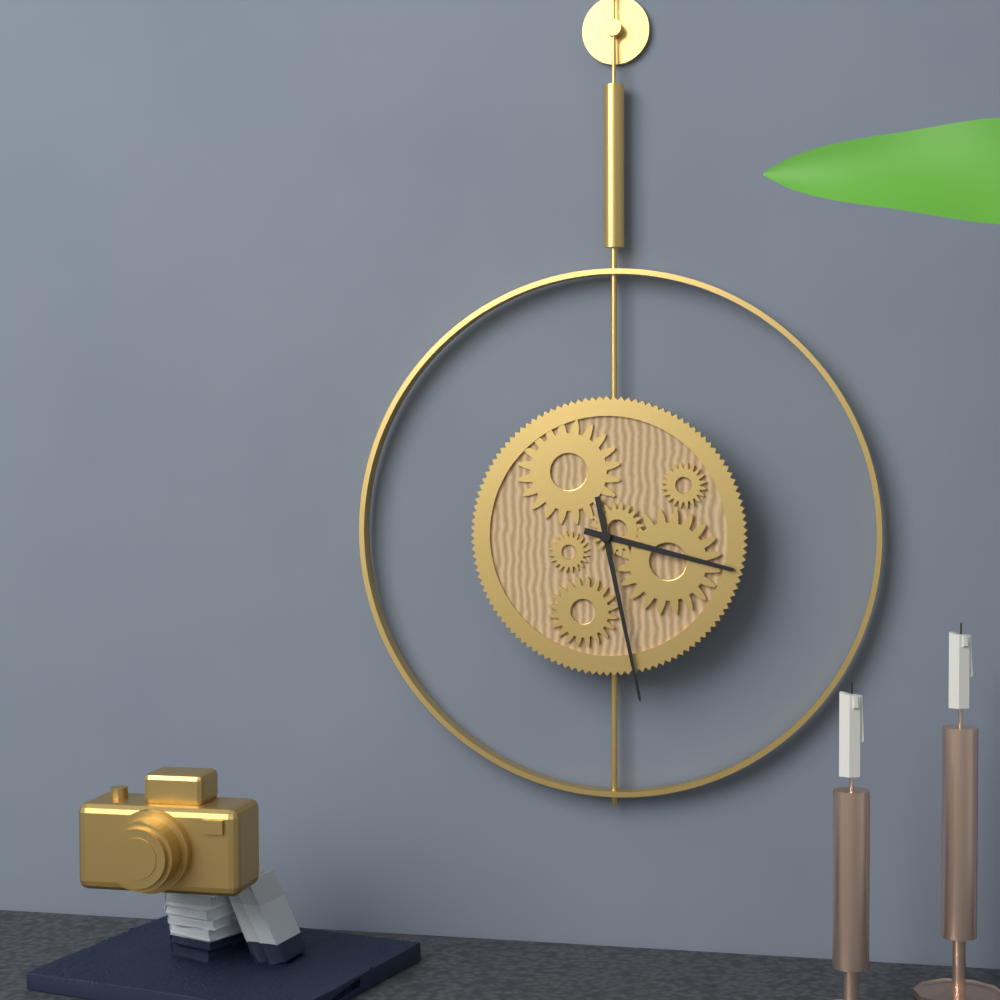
3:28
